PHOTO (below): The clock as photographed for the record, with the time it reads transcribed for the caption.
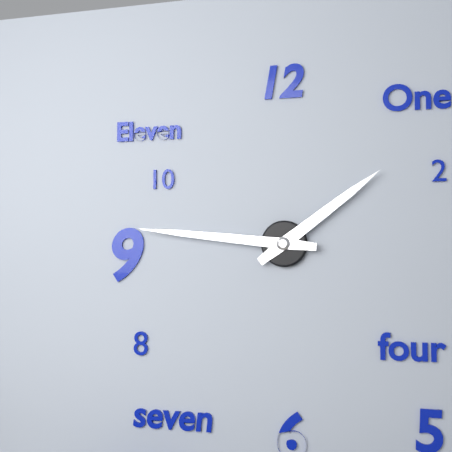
1:46
